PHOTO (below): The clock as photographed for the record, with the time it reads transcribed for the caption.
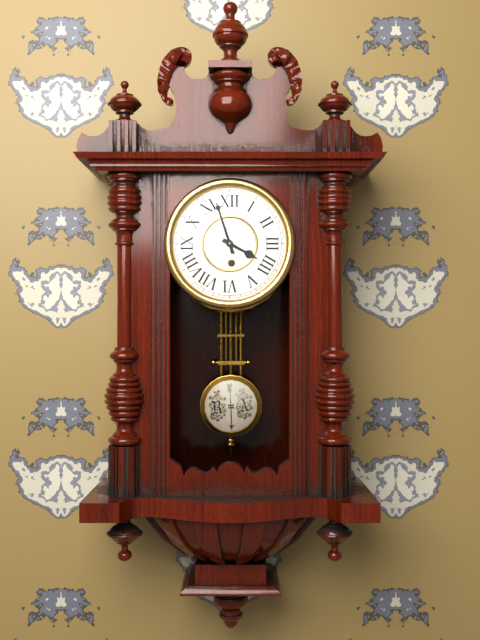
3:57
